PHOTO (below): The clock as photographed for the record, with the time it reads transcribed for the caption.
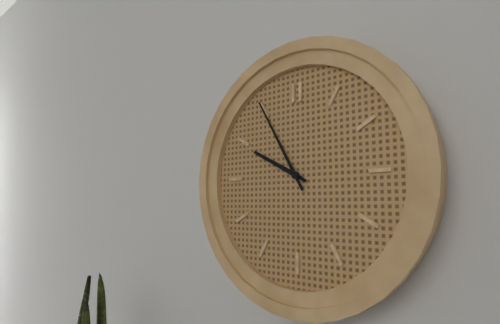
9:55
